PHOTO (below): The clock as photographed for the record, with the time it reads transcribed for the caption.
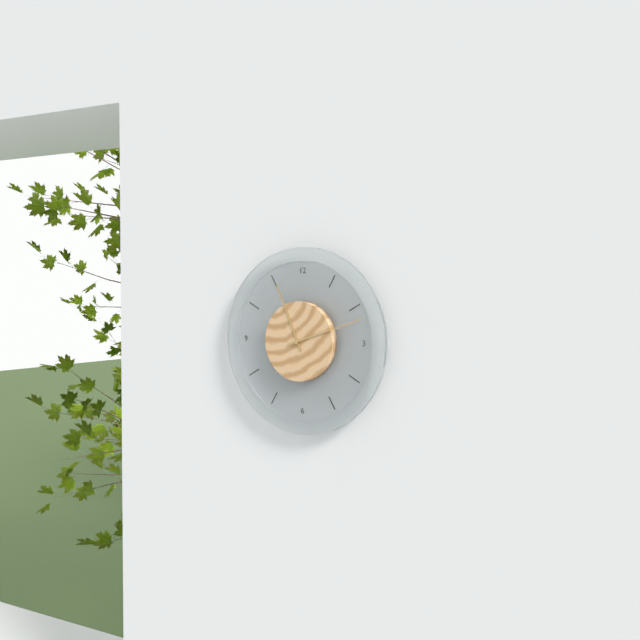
11:12
